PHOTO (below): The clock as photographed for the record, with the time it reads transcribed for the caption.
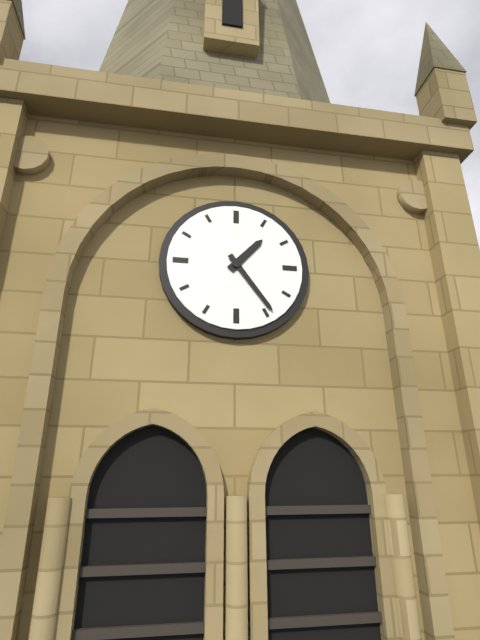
1:24
